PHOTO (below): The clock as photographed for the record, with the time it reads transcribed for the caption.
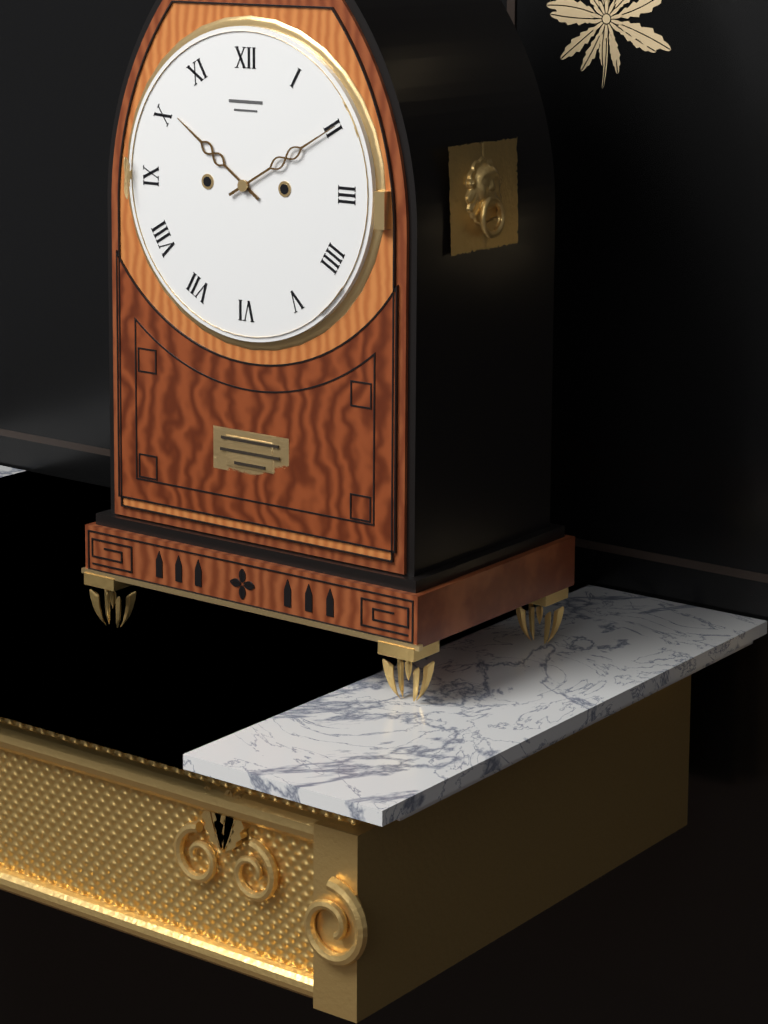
10:10
